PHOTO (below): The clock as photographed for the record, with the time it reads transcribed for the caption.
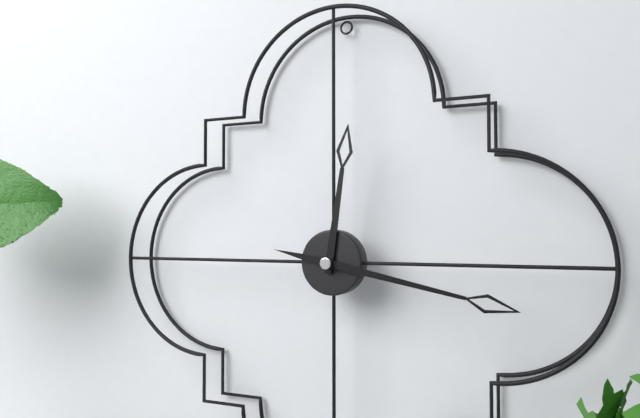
12:17
